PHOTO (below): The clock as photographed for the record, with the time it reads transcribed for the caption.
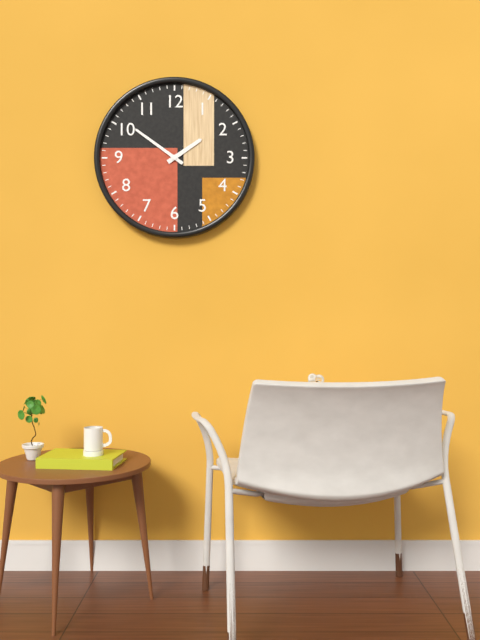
1:51
